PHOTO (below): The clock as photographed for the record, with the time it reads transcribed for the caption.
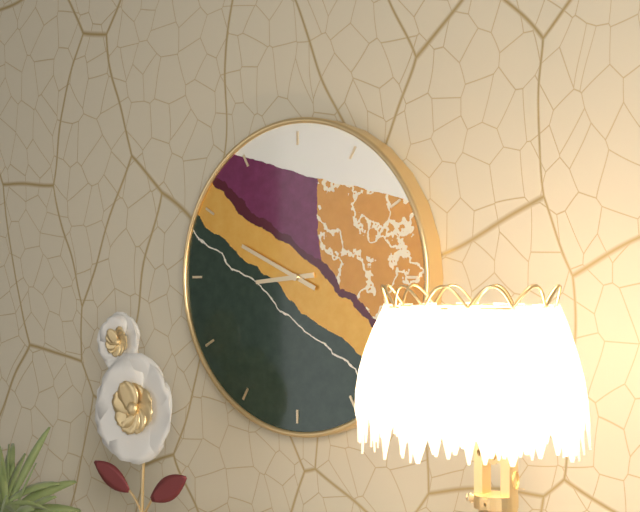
8:49
